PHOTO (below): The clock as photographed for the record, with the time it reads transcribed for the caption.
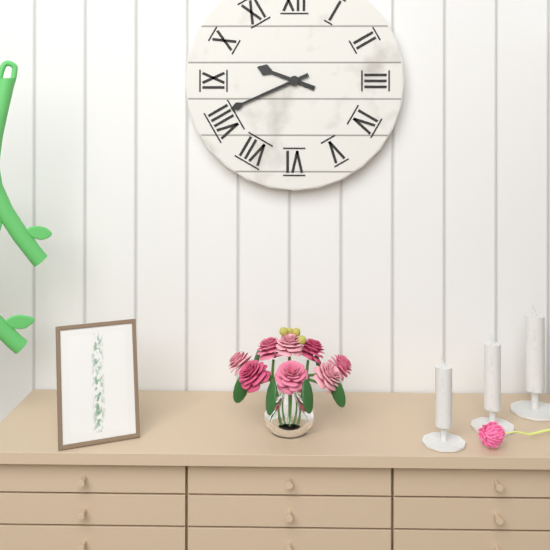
9:41
